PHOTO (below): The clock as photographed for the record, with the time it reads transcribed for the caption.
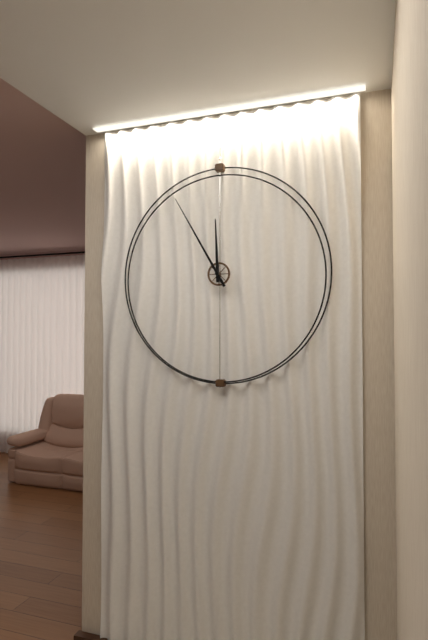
11:55
